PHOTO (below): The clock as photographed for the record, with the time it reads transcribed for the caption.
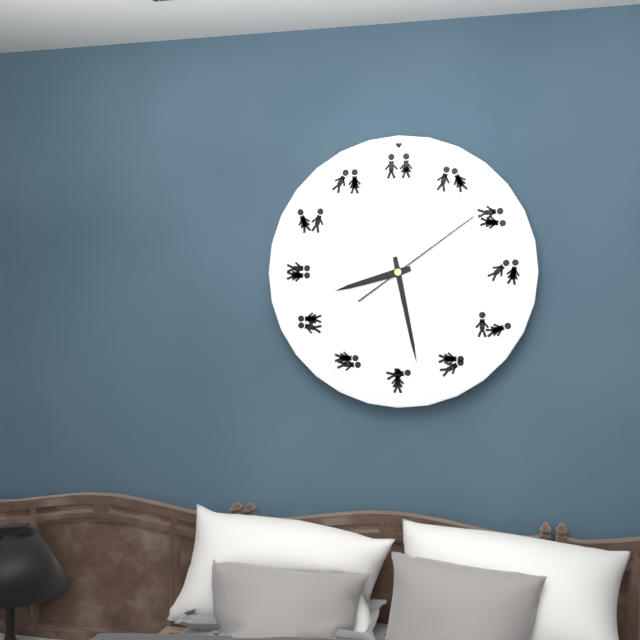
8:28:09
